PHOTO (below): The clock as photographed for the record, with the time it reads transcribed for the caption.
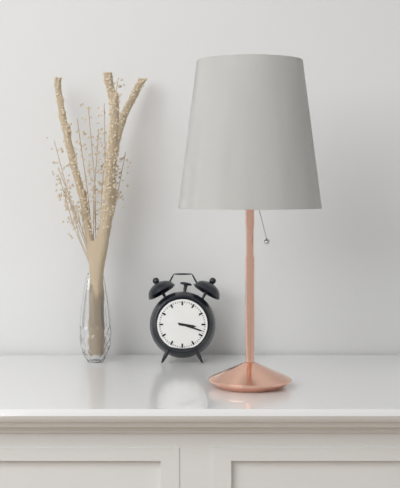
3:18
